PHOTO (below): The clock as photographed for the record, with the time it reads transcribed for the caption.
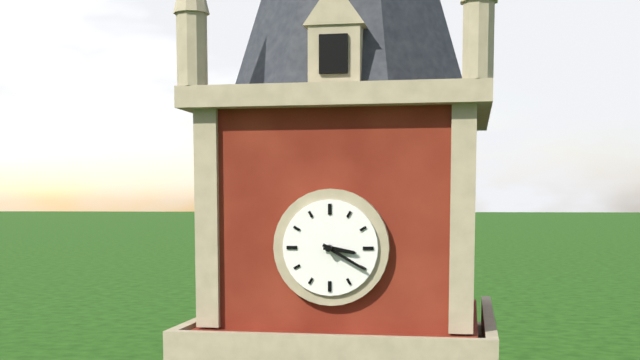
3:20
